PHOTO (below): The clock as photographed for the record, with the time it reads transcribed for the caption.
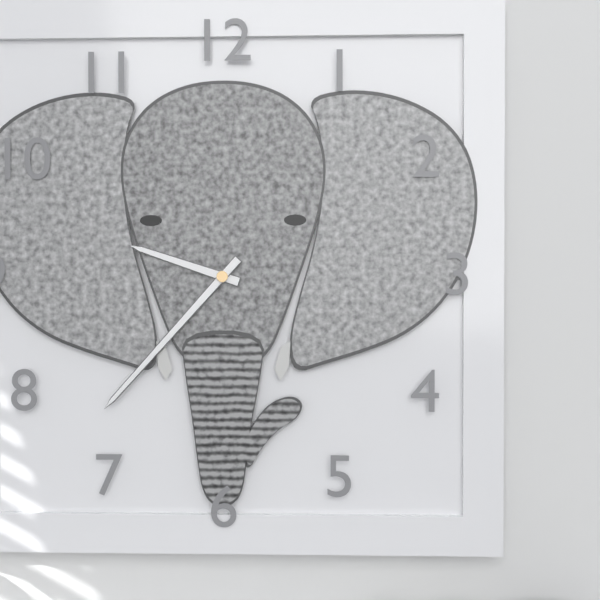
9:37
